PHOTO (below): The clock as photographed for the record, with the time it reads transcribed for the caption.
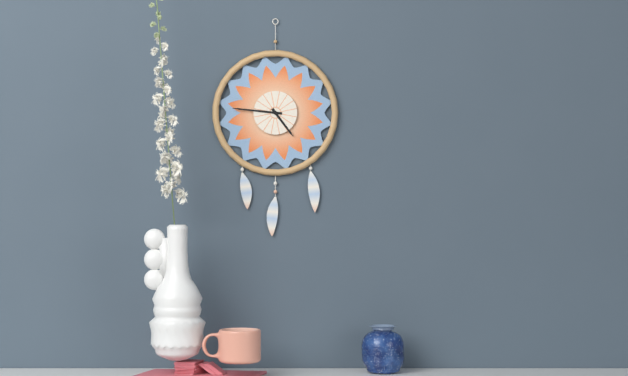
4:46
